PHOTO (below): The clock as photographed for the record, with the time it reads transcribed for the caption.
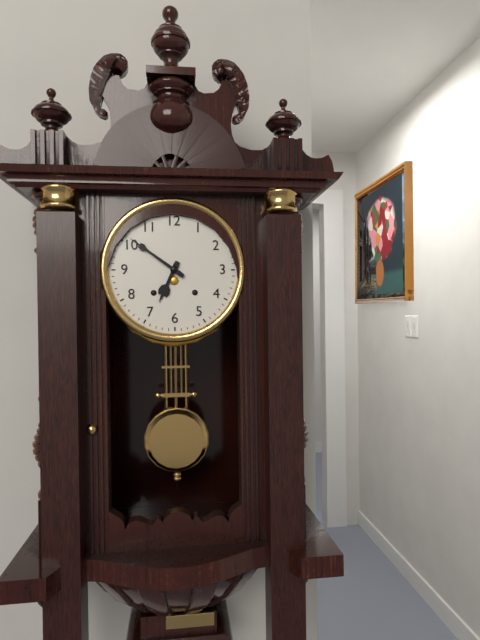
6:51
